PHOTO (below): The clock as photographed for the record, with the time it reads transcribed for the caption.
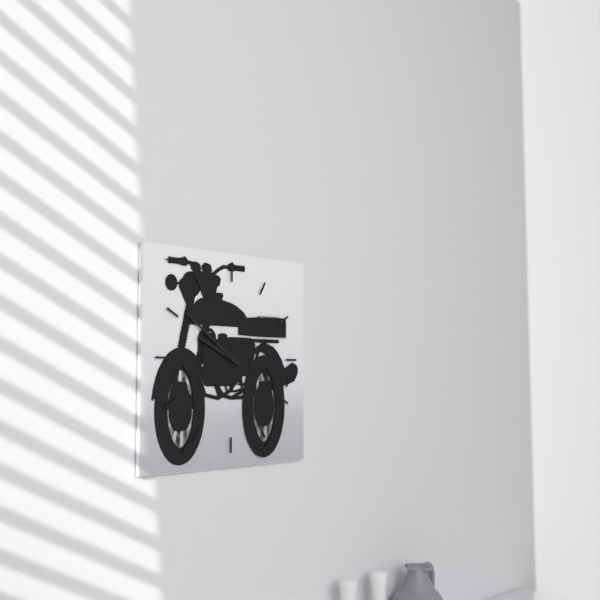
9:51
